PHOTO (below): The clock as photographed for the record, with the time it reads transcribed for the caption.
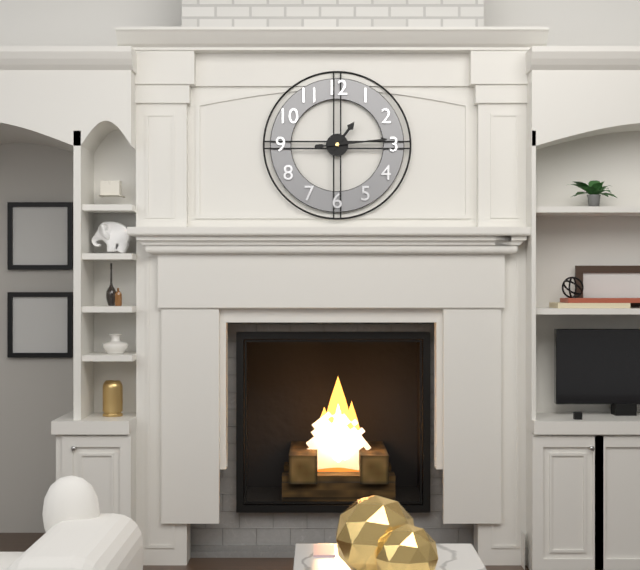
1:14
